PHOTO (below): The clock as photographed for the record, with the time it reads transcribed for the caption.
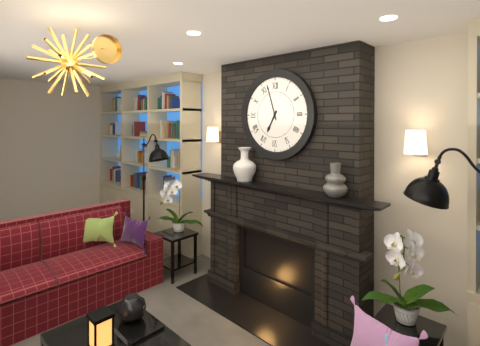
6:57
